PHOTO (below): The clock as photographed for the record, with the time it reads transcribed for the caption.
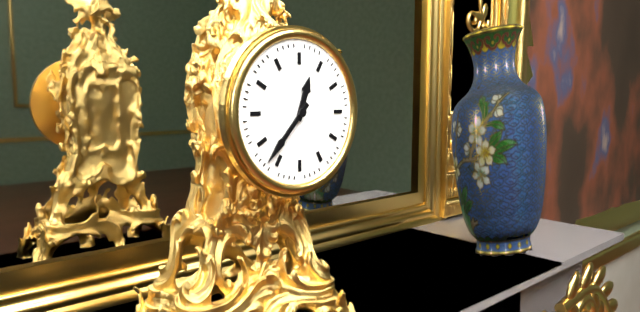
12:37
